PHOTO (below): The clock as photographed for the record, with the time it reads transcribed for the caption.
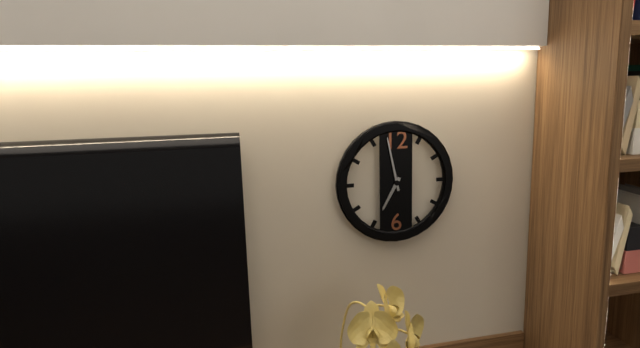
6:58
